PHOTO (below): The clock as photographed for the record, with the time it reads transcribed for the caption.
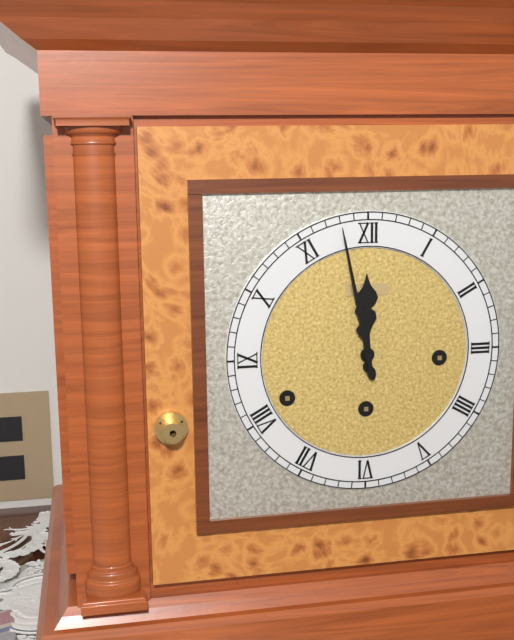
11:58
